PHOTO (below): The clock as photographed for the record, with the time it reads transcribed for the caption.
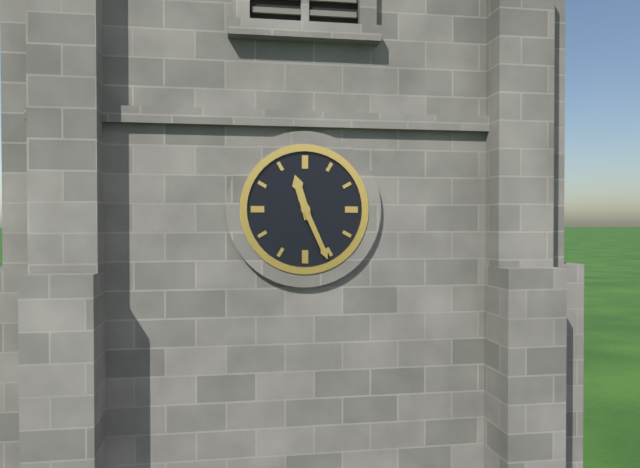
11:26
